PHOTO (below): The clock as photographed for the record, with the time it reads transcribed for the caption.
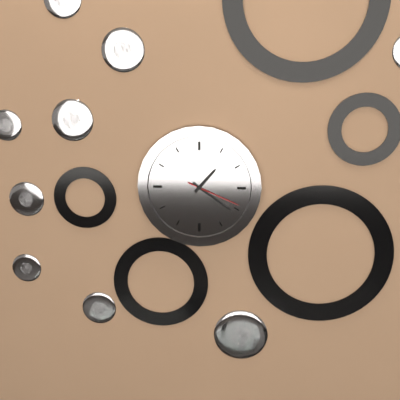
1:21:19
